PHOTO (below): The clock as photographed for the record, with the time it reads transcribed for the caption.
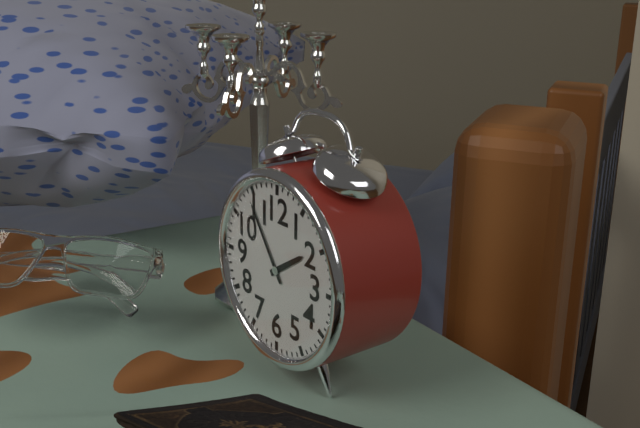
1:54
